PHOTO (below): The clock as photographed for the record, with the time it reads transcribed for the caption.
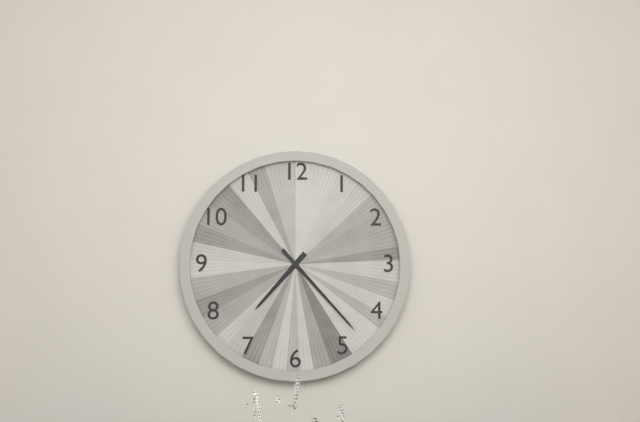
7:23
